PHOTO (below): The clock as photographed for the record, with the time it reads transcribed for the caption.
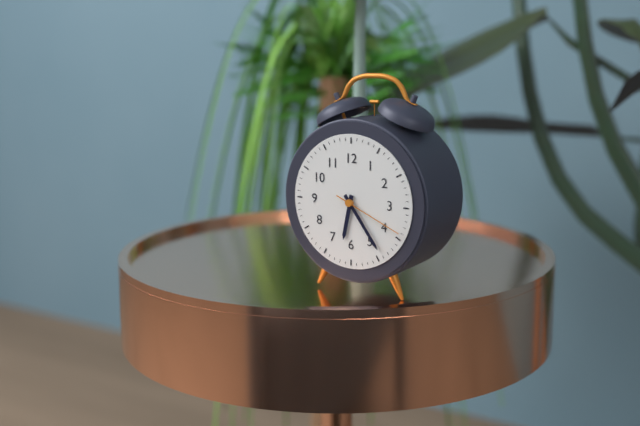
6:24:19
